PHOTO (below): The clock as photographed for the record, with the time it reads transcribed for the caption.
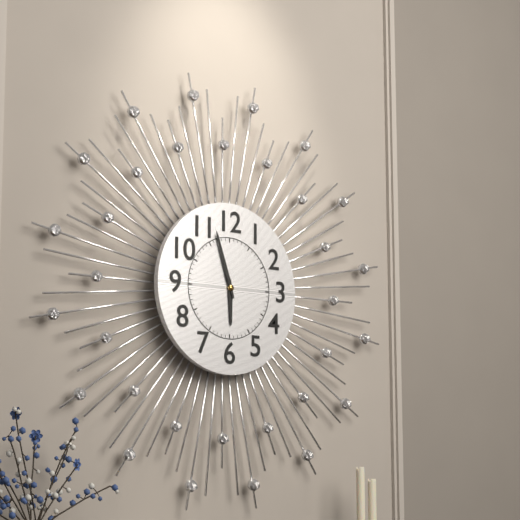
5:57
